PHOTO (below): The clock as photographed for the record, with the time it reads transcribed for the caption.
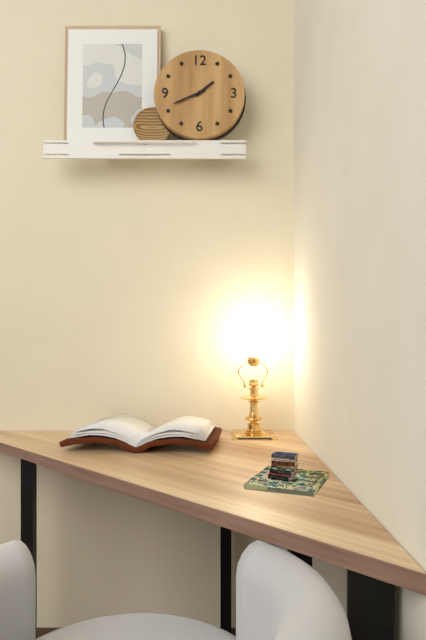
1:41
